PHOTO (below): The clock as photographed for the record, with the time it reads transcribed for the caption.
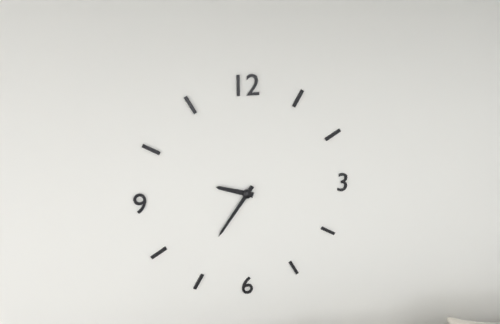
9:36
